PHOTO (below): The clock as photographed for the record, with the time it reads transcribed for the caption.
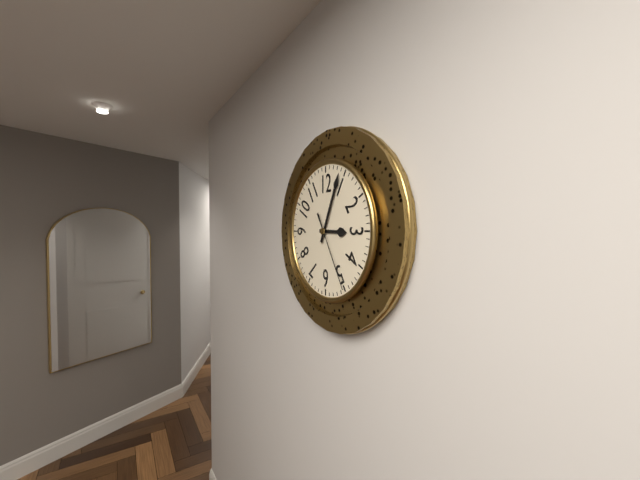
3:04:25
